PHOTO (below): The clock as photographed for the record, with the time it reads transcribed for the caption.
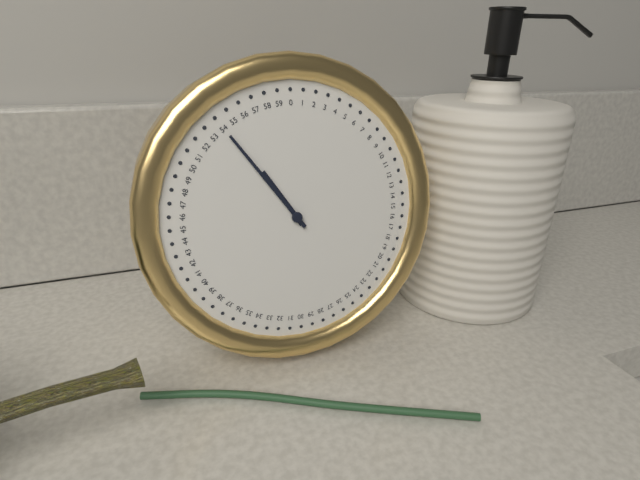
10:54
